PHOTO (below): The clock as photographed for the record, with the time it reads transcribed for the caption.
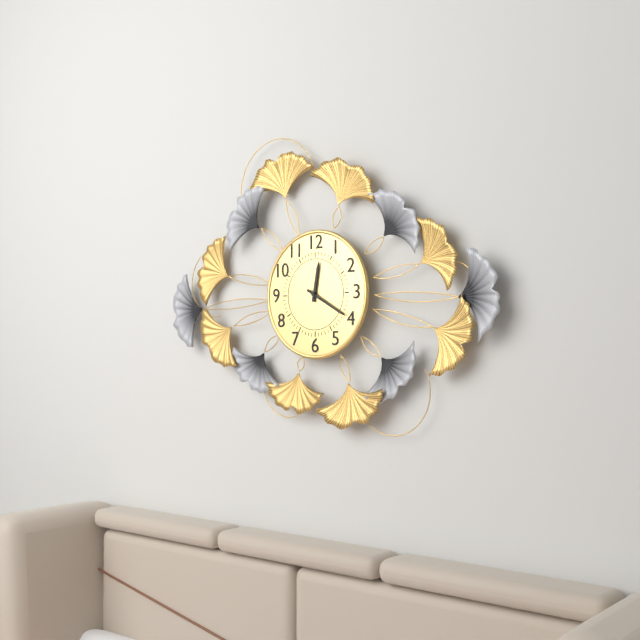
12:20
